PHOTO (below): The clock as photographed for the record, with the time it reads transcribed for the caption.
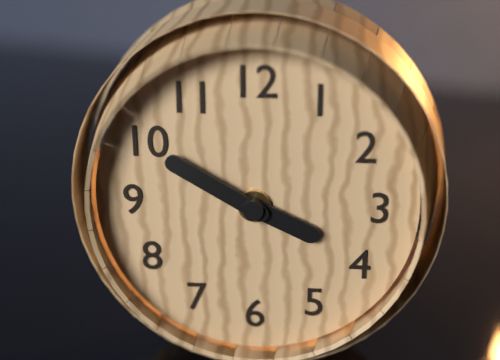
3:50
